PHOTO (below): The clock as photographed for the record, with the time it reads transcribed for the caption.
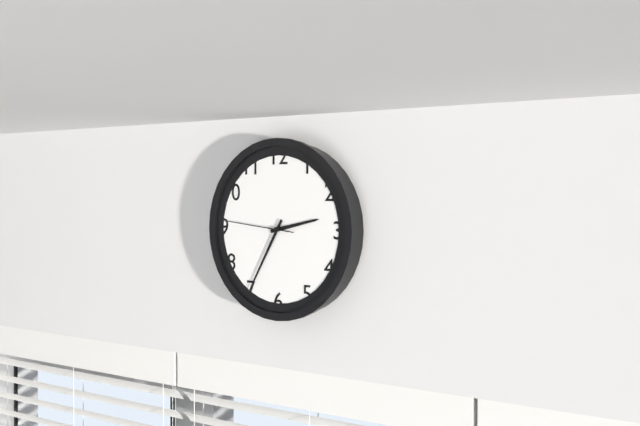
2:35:46
